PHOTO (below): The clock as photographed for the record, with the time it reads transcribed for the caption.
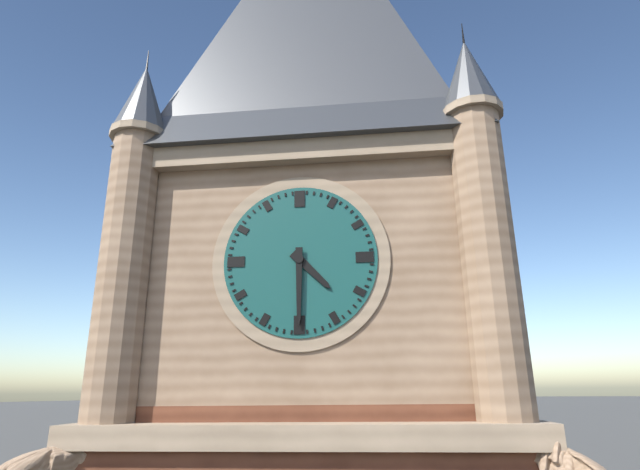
4:30
